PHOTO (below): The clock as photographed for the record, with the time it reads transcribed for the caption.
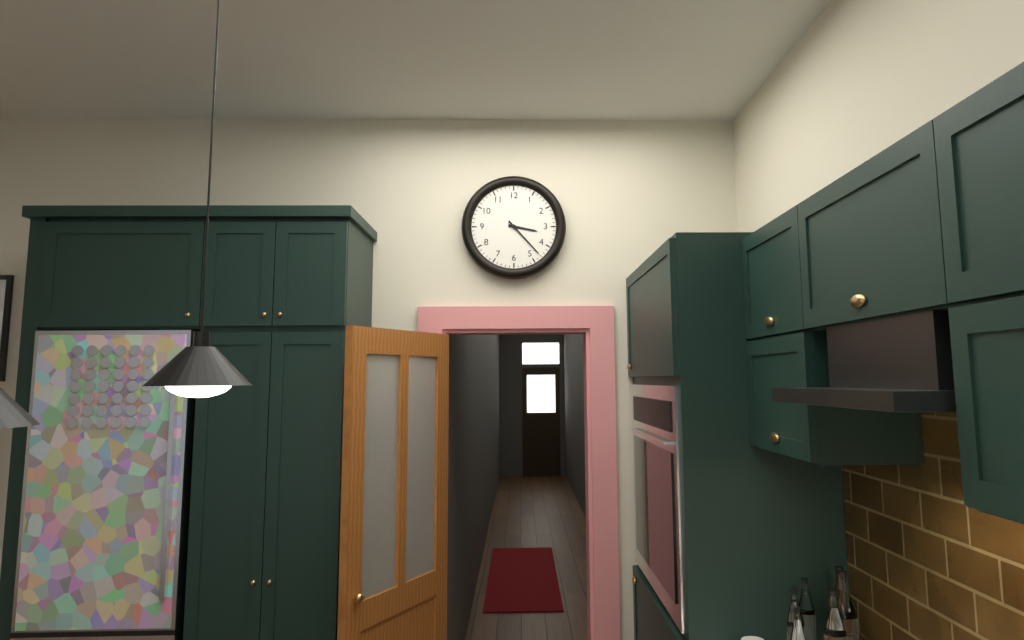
3:23
